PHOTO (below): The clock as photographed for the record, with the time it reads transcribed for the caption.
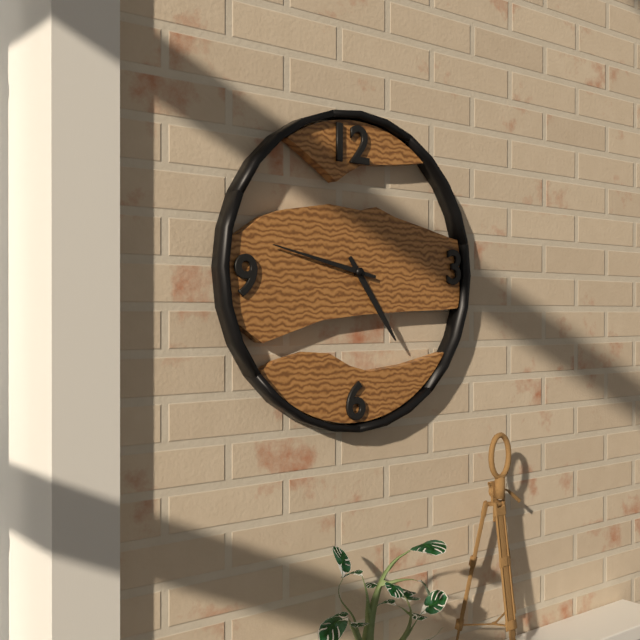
4:47
